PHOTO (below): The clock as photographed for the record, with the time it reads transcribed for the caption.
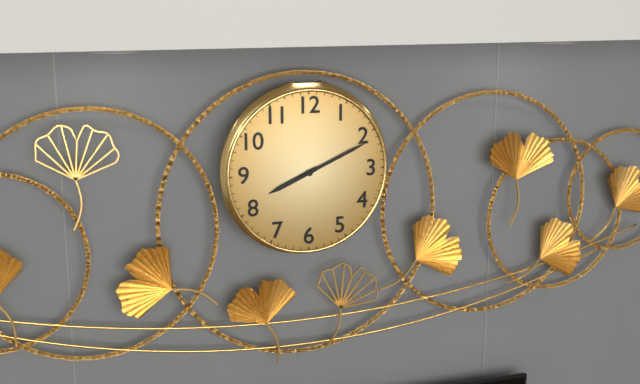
8:11
